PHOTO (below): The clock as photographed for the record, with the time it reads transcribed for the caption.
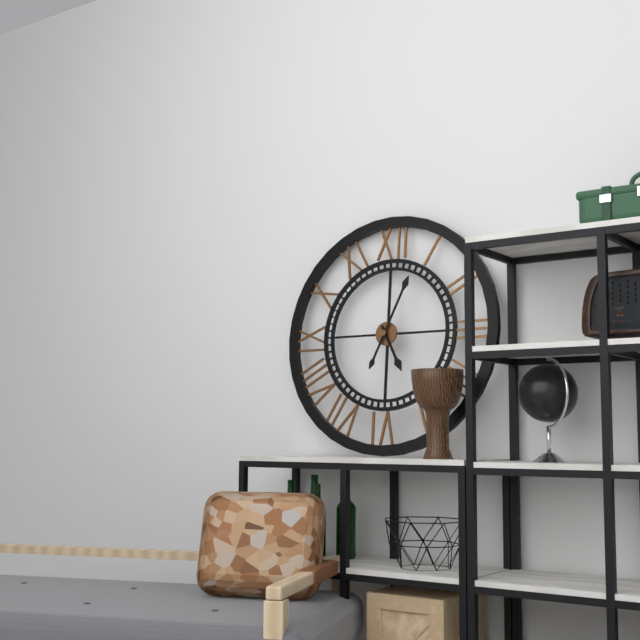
5:04
